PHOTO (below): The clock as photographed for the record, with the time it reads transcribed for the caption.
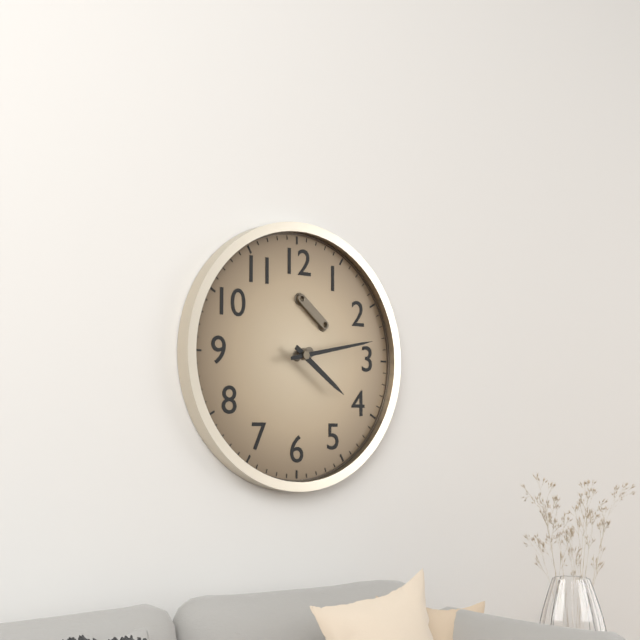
4:13
